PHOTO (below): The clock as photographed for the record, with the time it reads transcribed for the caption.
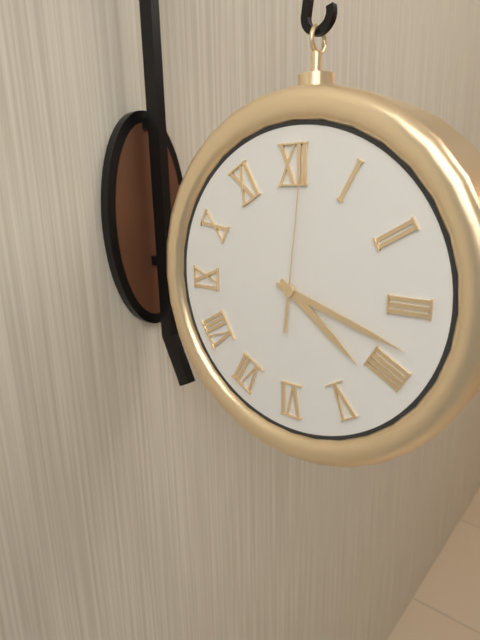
4:18:01
